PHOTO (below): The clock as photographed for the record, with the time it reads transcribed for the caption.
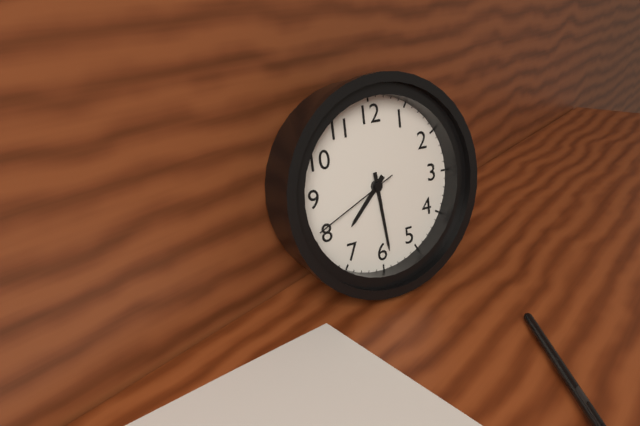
7:29:41
